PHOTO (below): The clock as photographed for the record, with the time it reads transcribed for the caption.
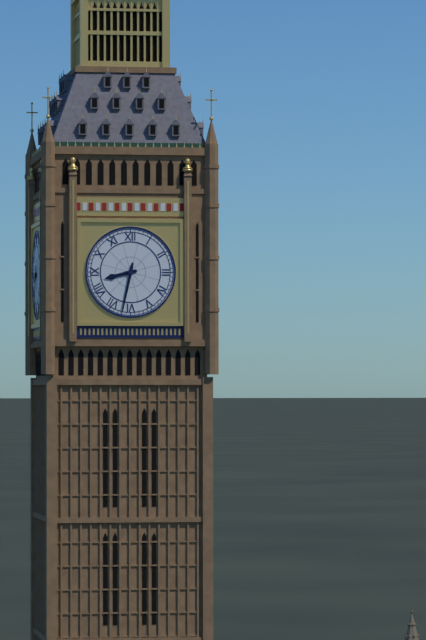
8:32
